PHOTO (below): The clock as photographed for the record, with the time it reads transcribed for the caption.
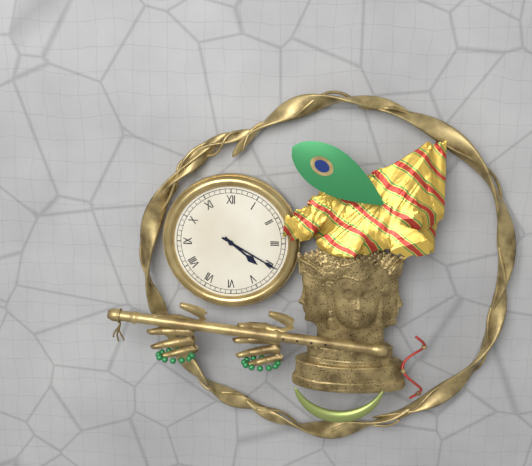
4:20
